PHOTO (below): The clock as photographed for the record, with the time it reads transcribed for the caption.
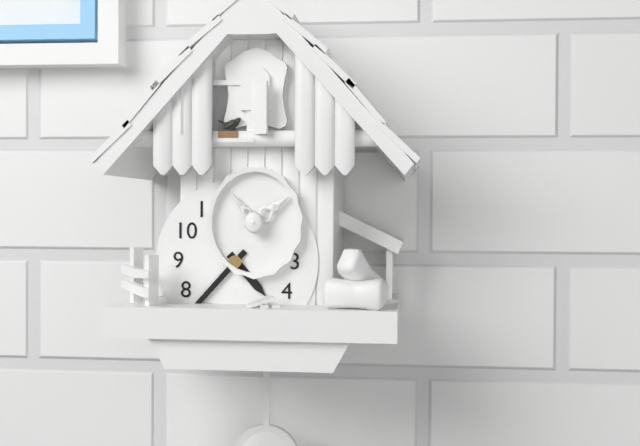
4:37
